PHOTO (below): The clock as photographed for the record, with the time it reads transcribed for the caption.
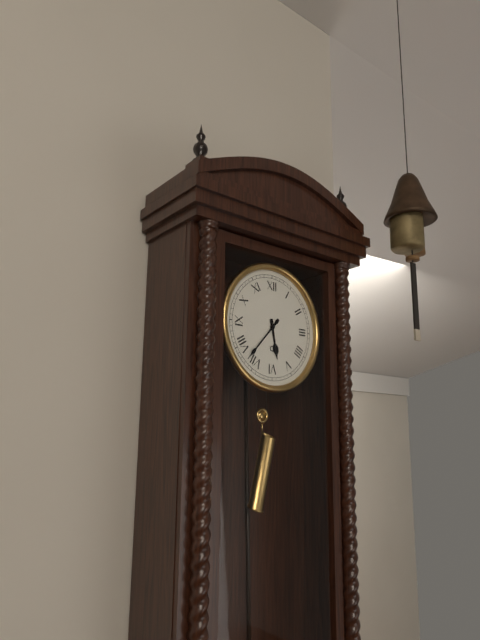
5:37
